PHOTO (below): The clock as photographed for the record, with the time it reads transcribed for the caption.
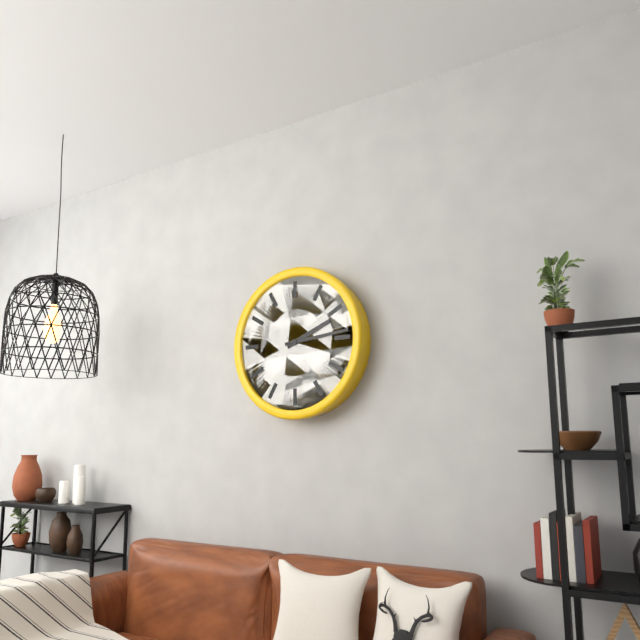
2:14
